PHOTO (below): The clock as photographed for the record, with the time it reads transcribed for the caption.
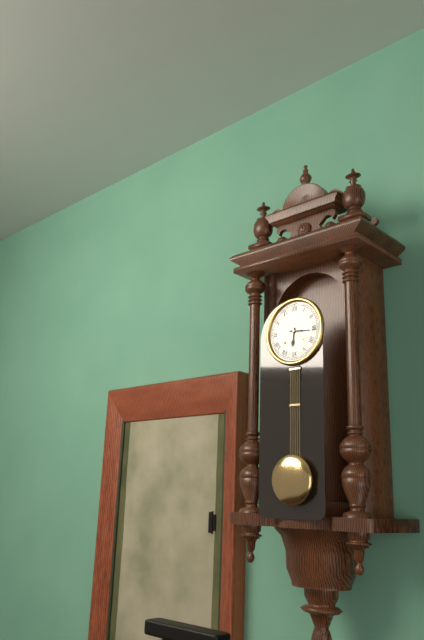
6:16
